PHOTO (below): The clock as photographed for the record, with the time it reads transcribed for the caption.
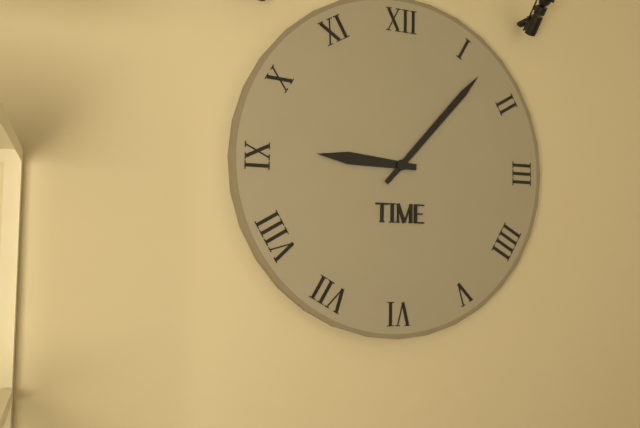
9:07
